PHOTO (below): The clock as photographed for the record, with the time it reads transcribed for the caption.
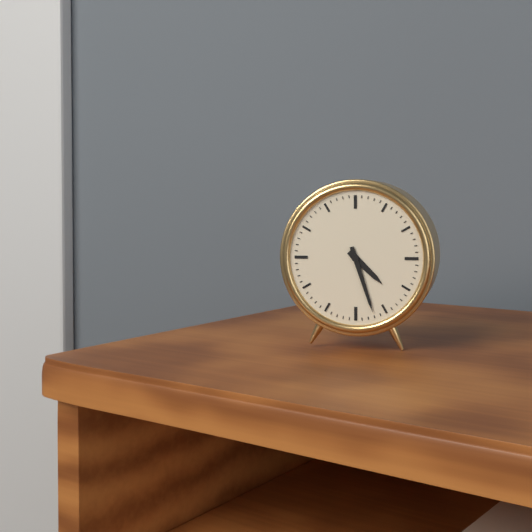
4:27
